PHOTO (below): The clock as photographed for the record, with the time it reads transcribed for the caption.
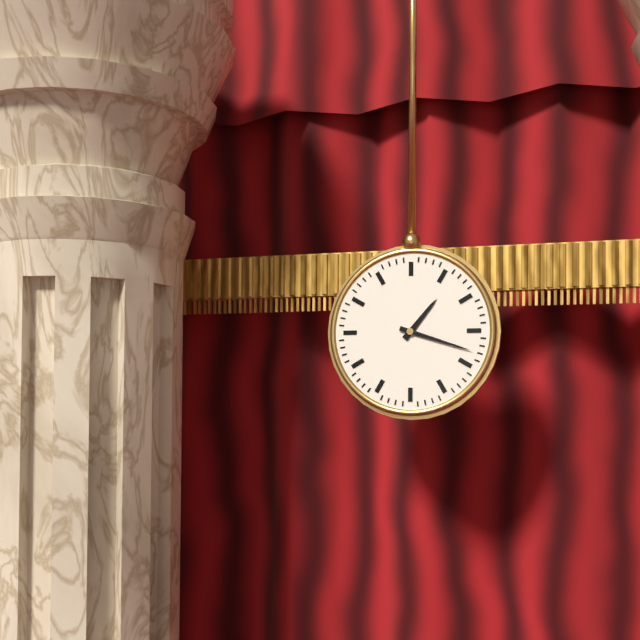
1:18
